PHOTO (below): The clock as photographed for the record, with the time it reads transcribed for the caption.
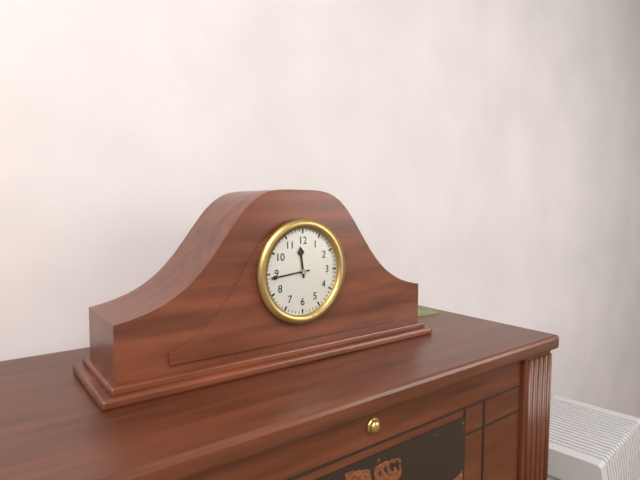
11:44
